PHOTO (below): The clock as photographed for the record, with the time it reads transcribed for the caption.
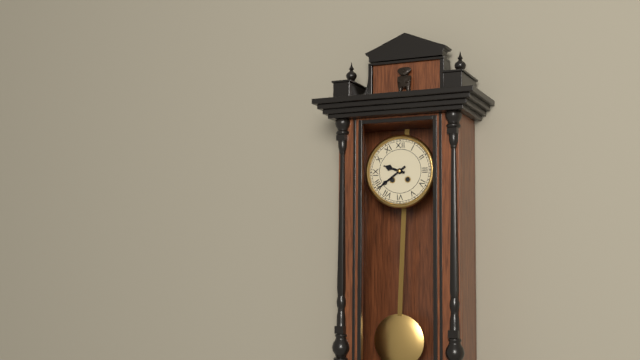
9:39
